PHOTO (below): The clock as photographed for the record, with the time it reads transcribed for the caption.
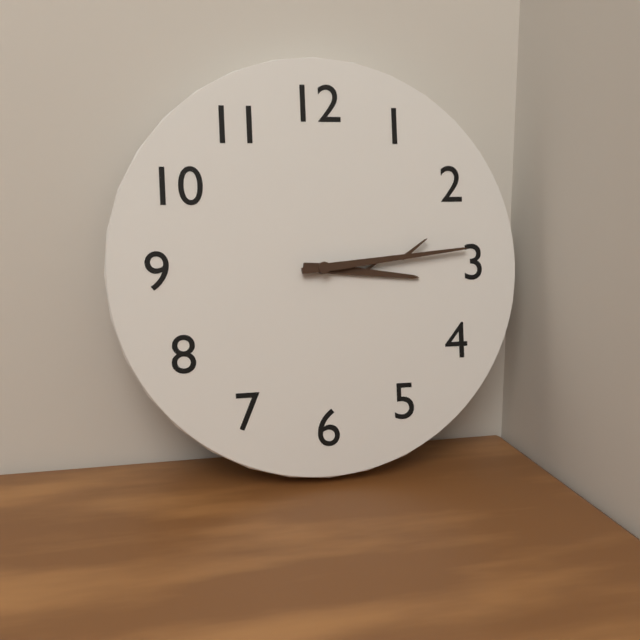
3:14
